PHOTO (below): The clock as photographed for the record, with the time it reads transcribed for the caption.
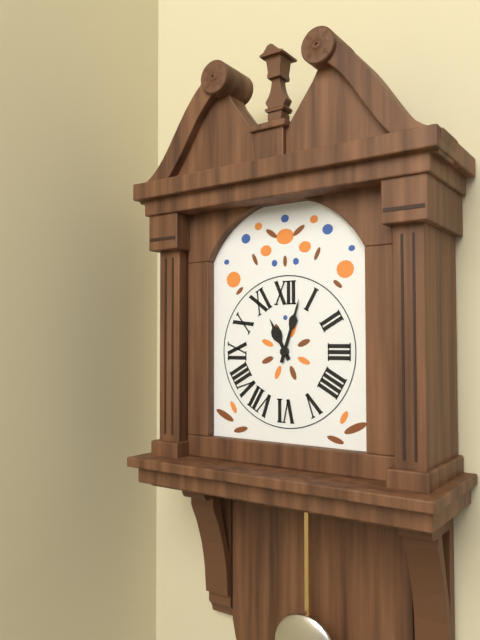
11:03
